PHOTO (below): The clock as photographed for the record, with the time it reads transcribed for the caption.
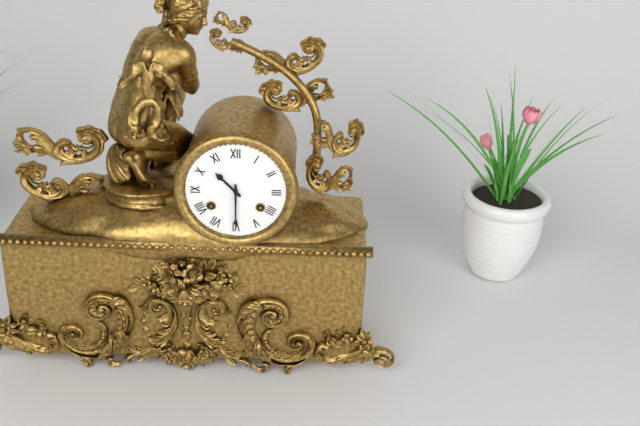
10:30
